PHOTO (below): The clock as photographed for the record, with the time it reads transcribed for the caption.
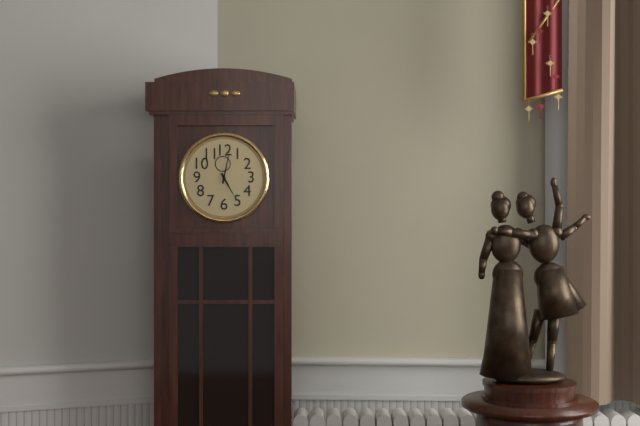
5:02
